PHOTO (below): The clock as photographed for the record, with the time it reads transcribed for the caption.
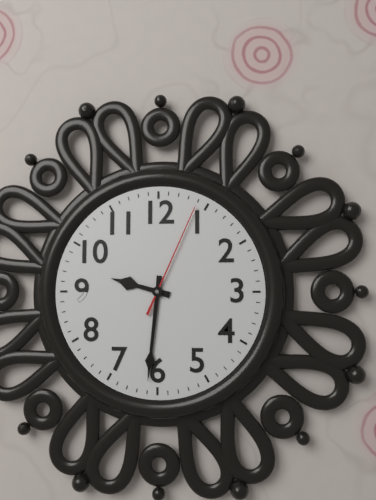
9:31:04
